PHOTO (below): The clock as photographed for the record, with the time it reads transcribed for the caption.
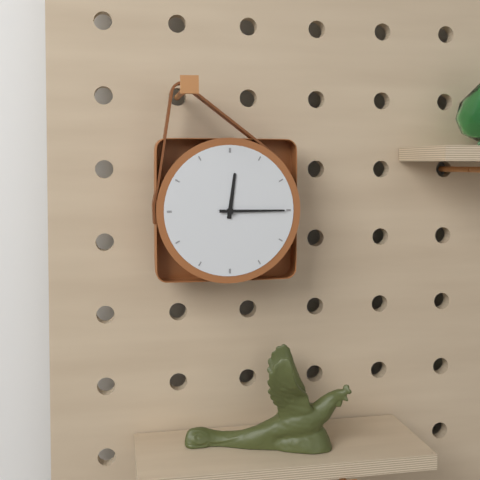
12:15
